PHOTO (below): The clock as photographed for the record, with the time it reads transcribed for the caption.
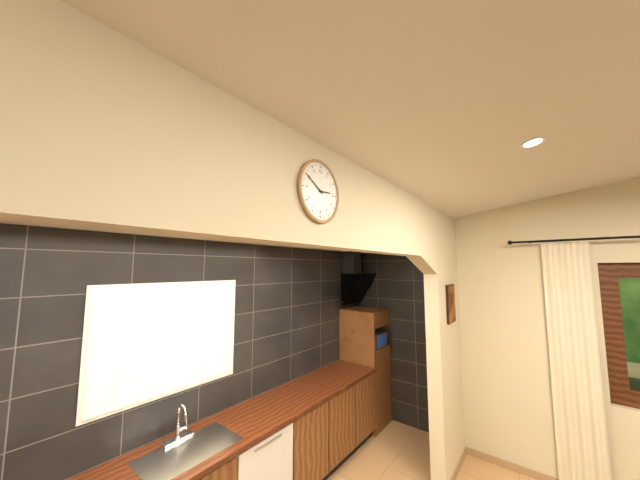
2:50
